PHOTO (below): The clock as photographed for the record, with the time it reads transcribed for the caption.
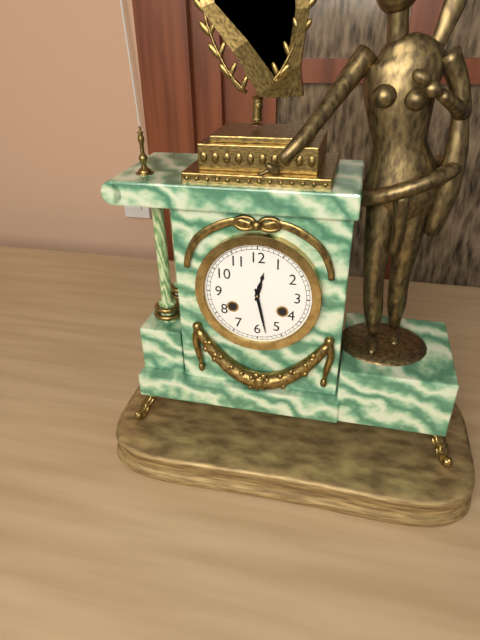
12:28
